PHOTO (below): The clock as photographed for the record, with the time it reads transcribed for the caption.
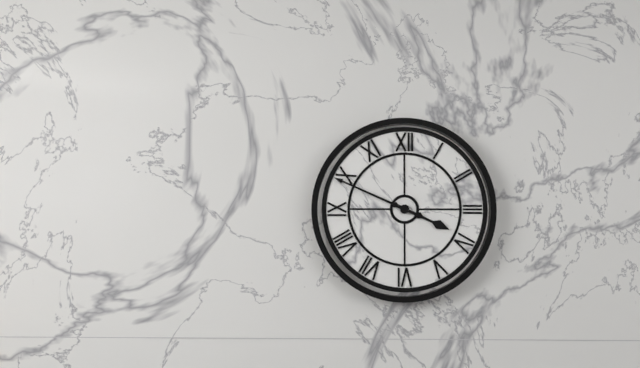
3:49
